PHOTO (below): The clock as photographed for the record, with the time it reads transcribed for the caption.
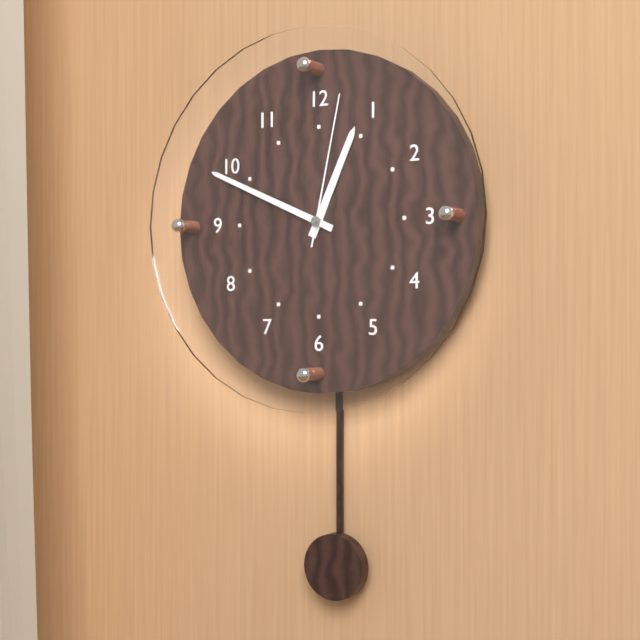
12:49:02
